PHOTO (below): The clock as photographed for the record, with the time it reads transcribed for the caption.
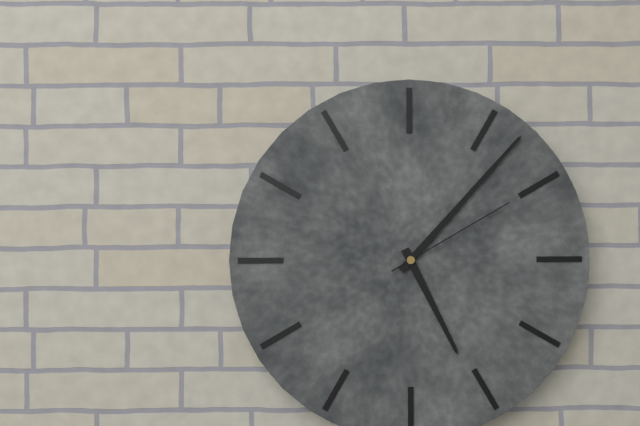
5:07:10
